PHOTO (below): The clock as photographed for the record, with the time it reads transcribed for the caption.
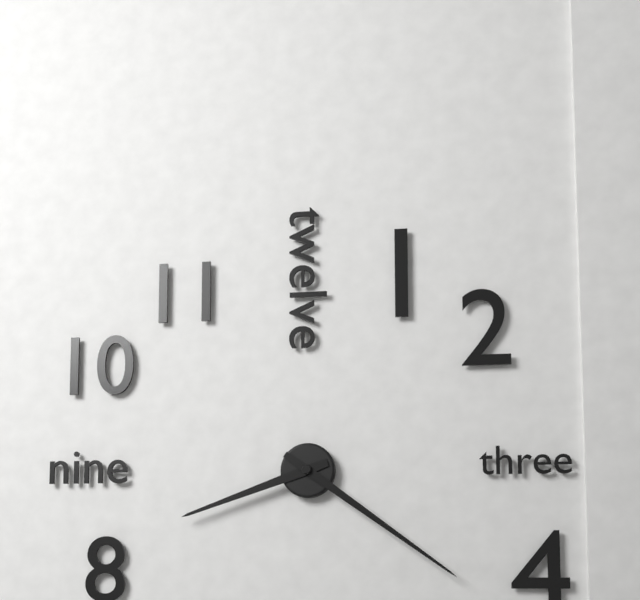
8:21
